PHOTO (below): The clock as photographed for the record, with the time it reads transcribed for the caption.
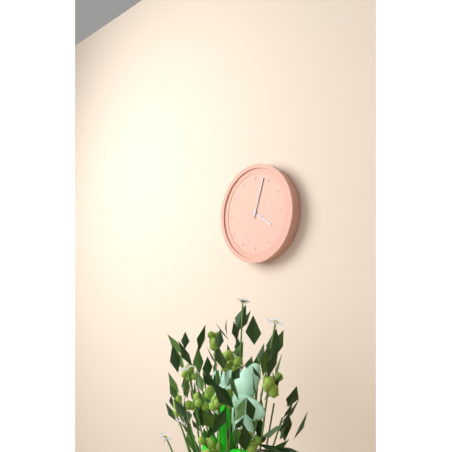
4:03
